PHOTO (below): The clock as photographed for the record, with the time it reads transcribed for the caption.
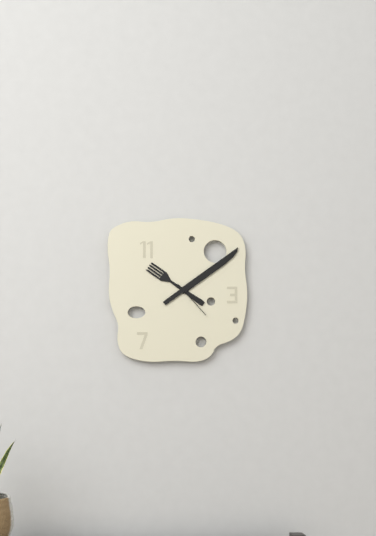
10:09
